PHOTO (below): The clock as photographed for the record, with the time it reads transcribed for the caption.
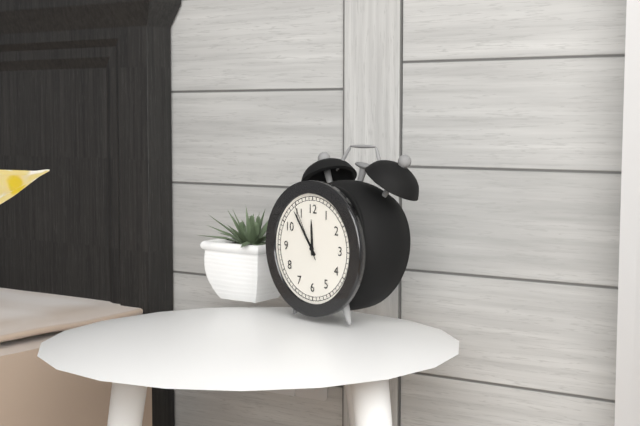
11:54:55
